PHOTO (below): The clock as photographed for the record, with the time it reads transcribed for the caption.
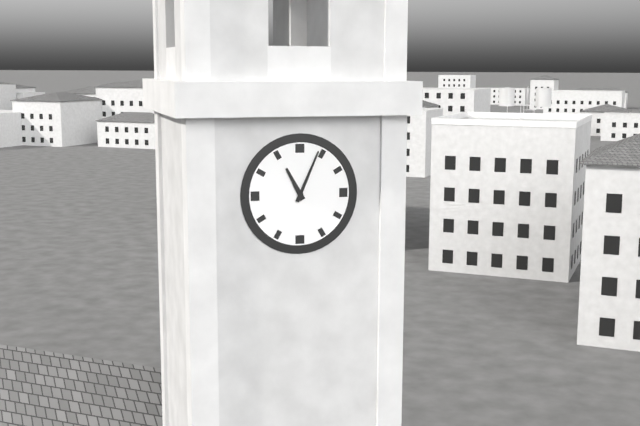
11:04
